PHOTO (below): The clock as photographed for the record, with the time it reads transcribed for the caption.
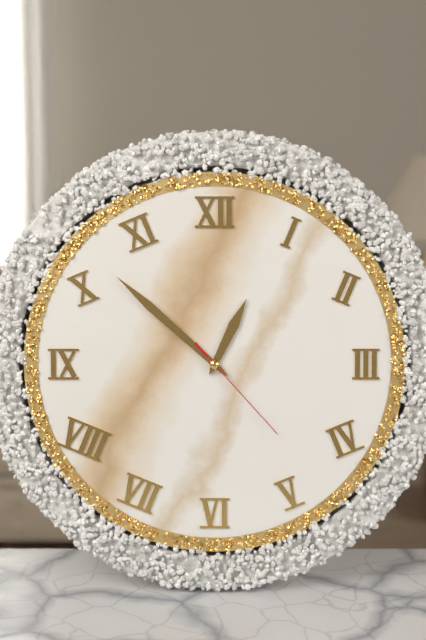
12:52:23
